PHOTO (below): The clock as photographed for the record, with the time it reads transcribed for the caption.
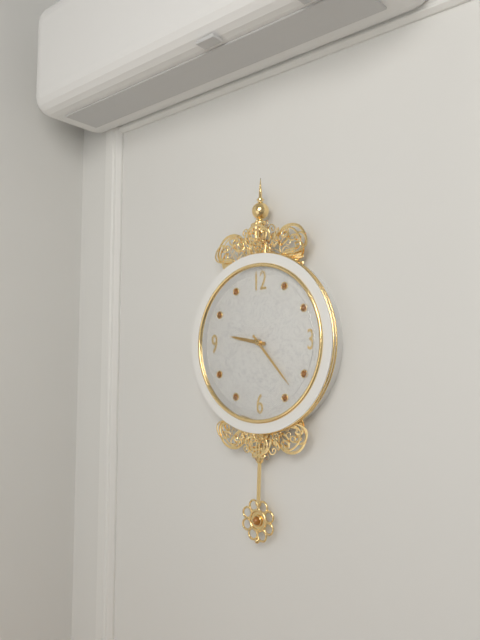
9:23
